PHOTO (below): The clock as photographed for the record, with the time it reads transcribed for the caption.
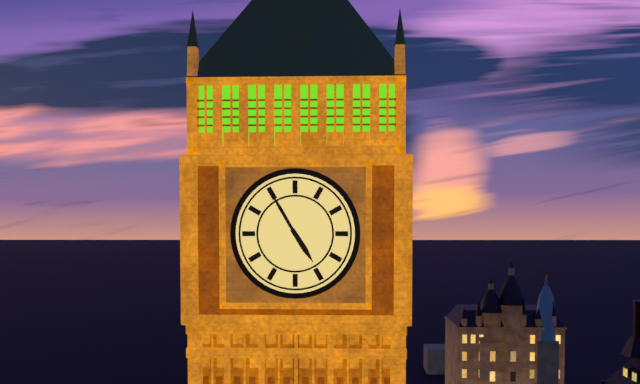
4:55
